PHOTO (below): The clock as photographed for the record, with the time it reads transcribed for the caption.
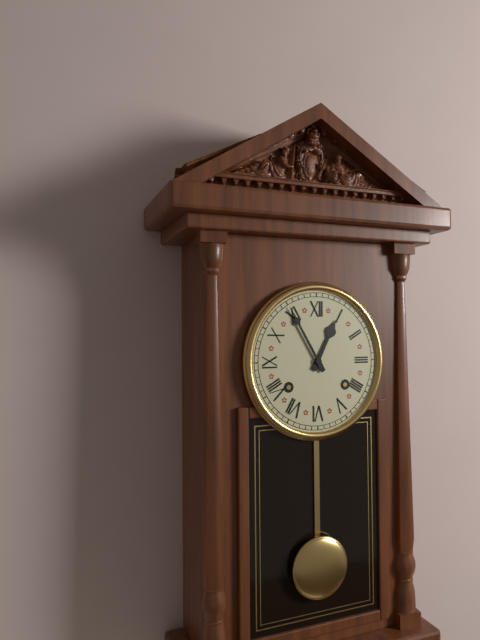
12:55
